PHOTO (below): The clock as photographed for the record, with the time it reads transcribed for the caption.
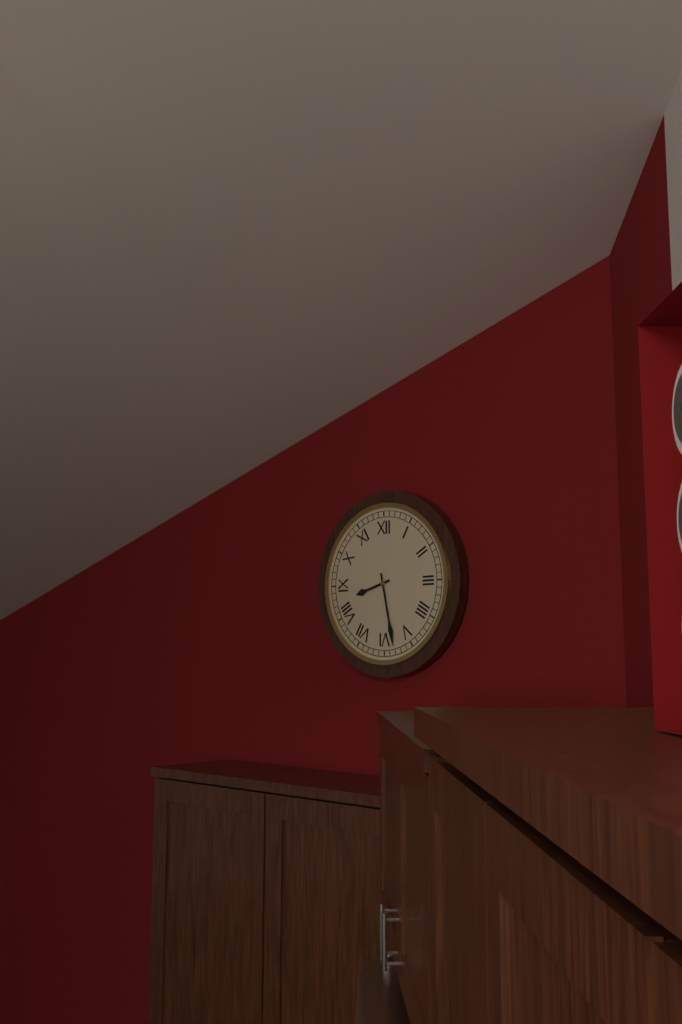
8:28
